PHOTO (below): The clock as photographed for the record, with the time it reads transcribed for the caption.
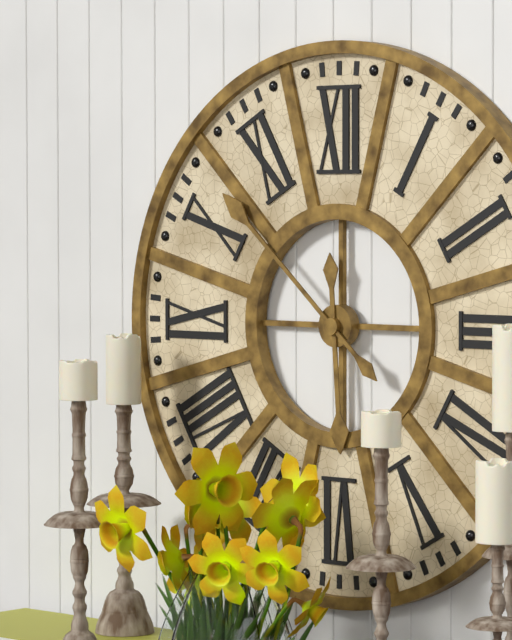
5:52
